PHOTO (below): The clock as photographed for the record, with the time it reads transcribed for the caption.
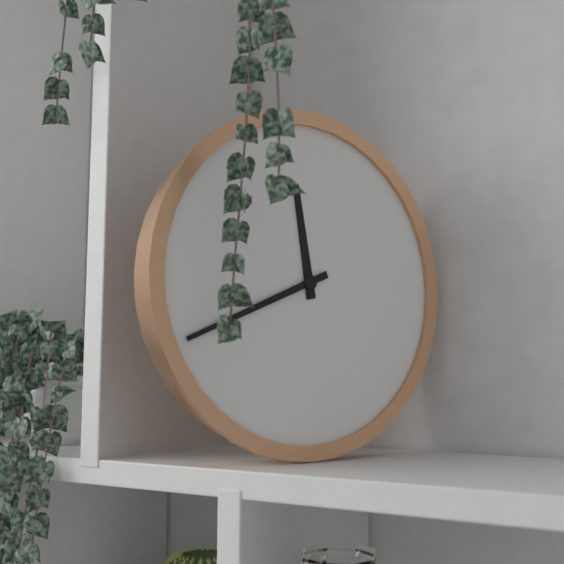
11:41
